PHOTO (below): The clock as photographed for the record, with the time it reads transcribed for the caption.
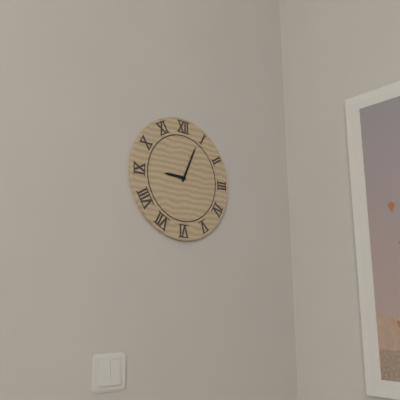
9:04
